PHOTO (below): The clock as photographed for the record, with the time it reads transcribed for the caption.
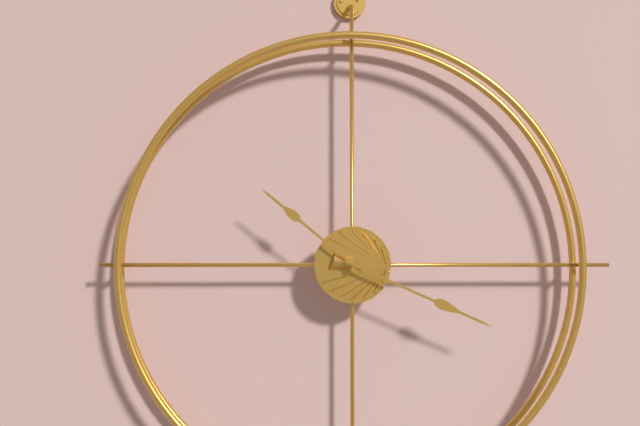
10:19
